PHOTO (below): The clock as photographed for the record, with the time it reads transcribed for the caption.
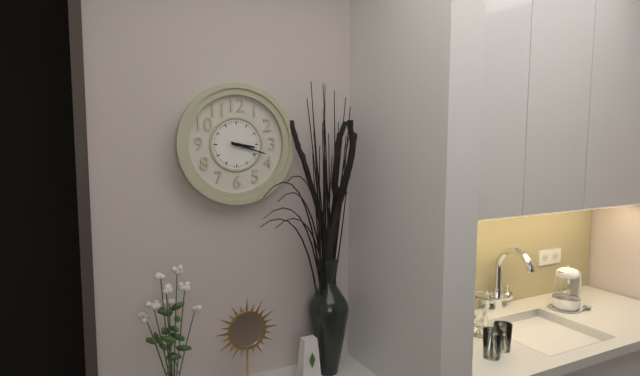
3:18
